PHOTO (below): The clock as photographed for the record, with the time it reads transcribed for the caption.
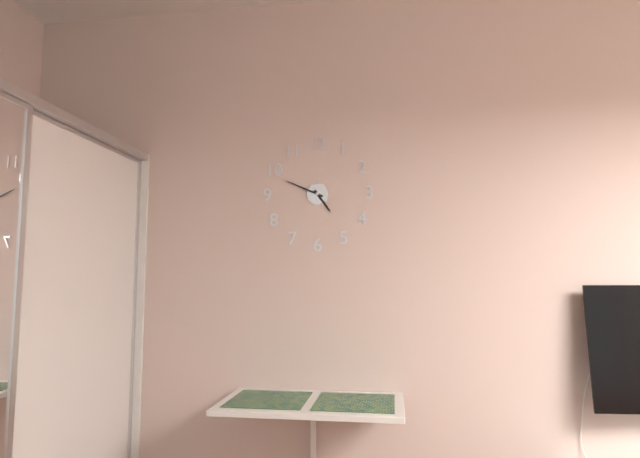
4:49
